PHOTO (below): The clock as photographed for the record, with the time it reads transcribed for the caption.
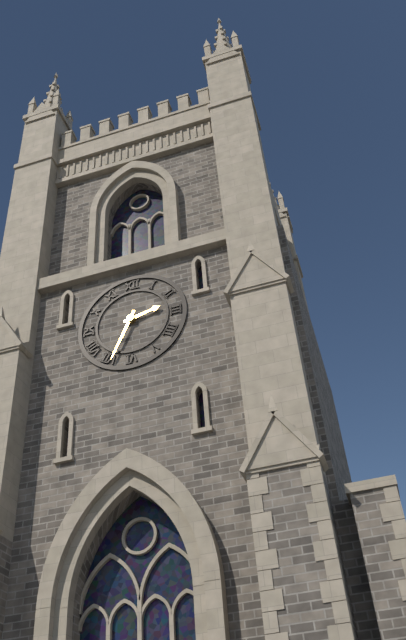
2:34
